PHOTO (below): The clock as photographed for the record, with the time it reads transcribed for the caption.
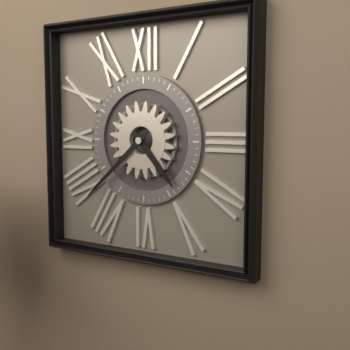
4:38
